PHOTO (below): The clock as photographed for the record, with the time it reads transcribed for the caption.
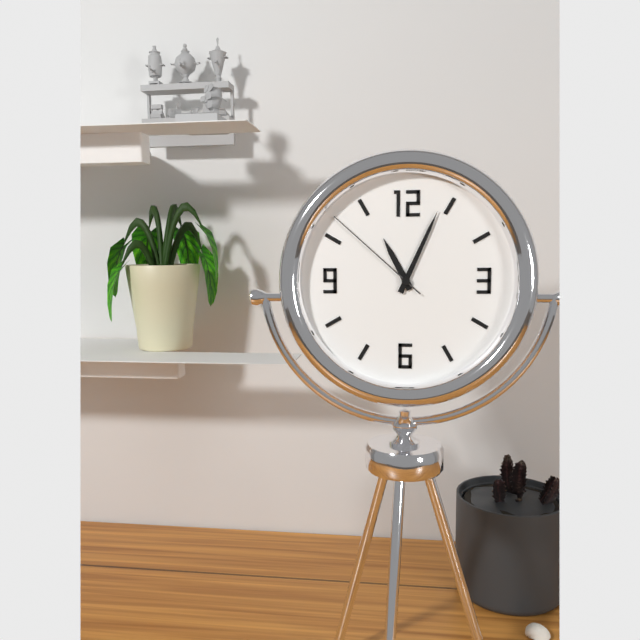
11:04:52
